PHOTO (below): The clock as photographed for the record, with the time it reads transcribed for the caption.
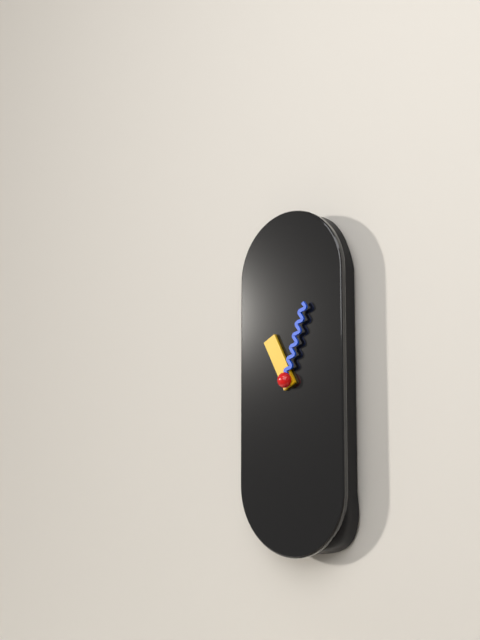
11:03
